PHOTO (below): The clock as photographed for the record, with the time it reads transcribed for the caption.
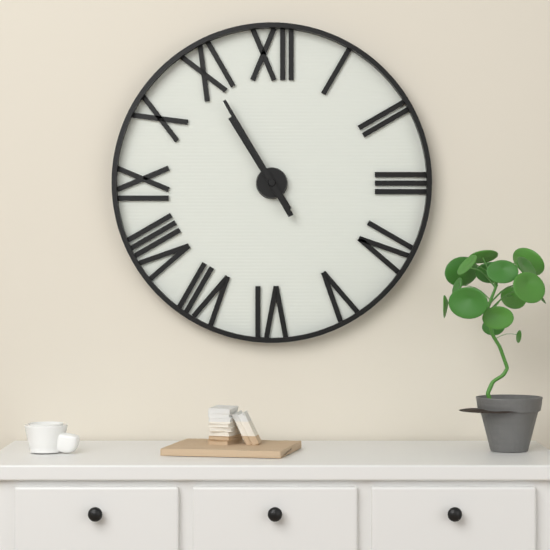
10:55
